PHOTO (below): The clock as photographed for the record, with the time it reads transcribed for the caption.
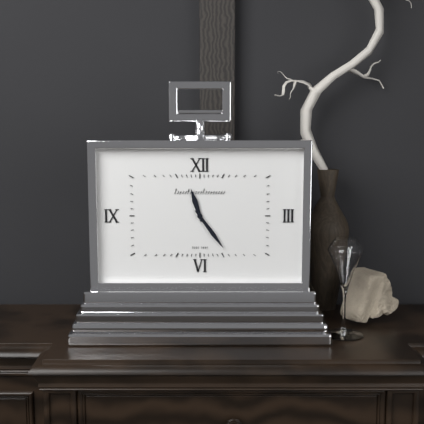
11:24
